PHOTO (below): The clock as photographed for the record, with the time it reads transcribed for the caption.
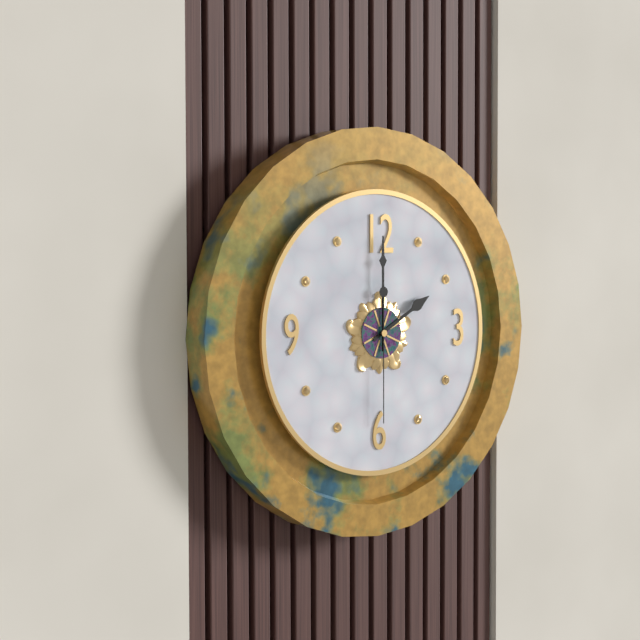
2:00:30
